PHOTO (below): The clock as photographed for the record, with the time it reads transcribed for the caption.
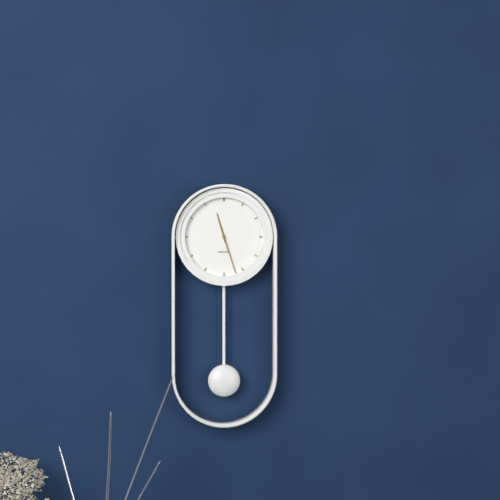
11:27
